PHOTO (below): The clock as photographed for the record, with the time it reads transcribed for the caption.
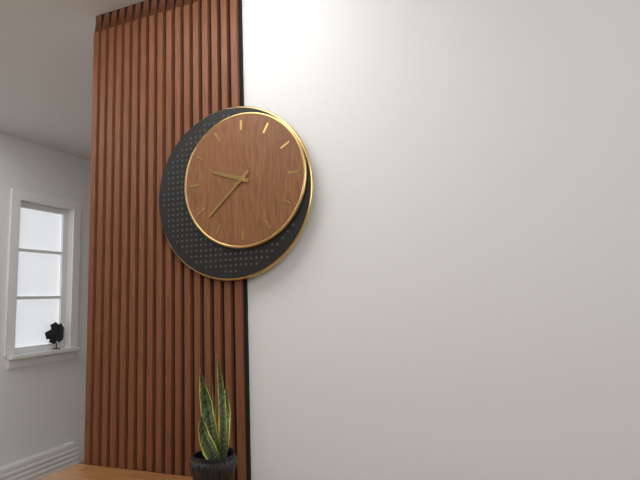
9:38
